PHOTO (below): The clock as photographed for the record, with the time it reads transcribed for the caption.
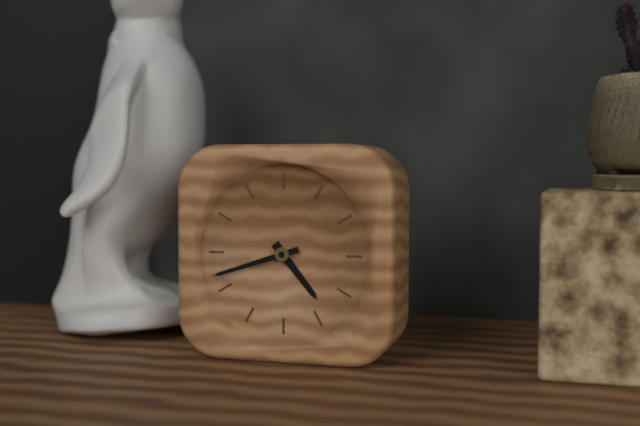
4:42
